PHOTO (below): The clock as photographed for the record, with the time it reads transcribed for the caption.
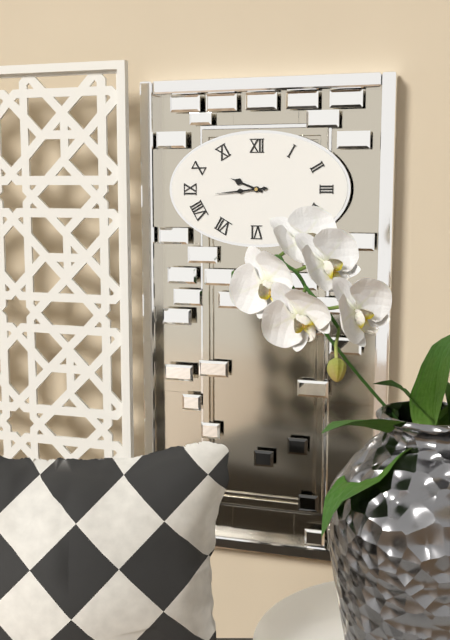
9:44
